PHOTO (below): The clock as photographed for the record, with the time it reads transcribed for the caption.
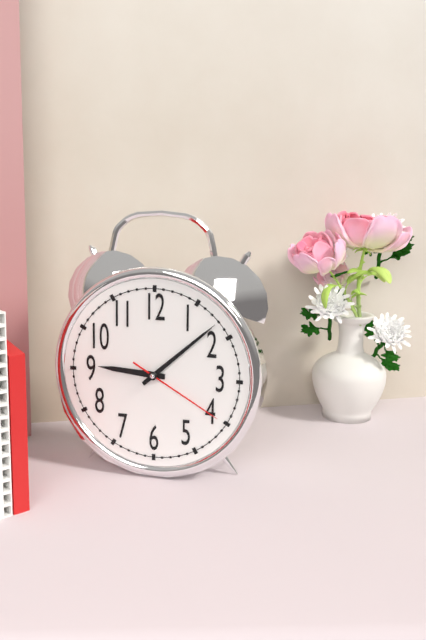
9:08:20
